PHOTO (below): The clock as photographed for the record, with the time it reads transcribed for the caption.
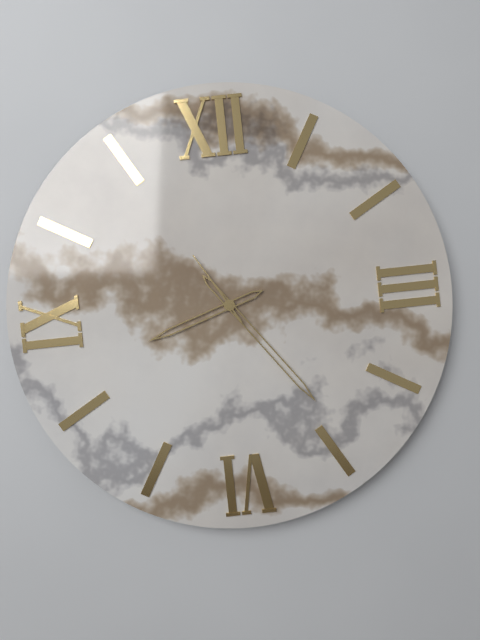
8:24:55
